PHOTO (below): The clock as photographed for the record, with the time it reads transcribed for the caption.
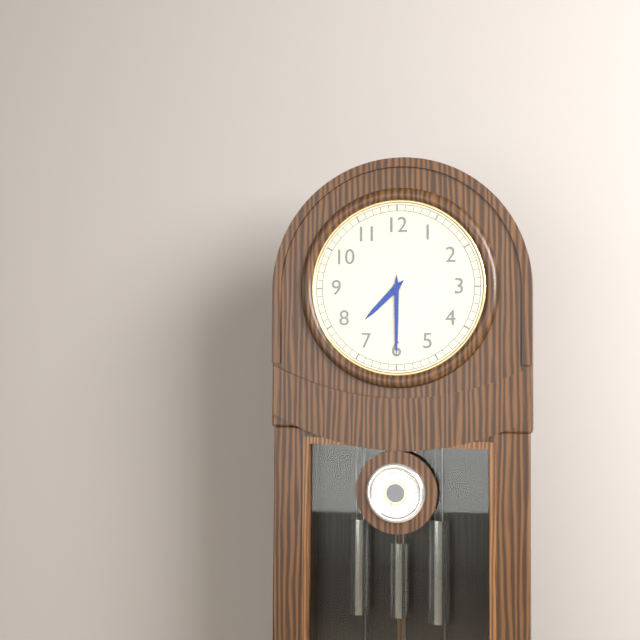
7:30
